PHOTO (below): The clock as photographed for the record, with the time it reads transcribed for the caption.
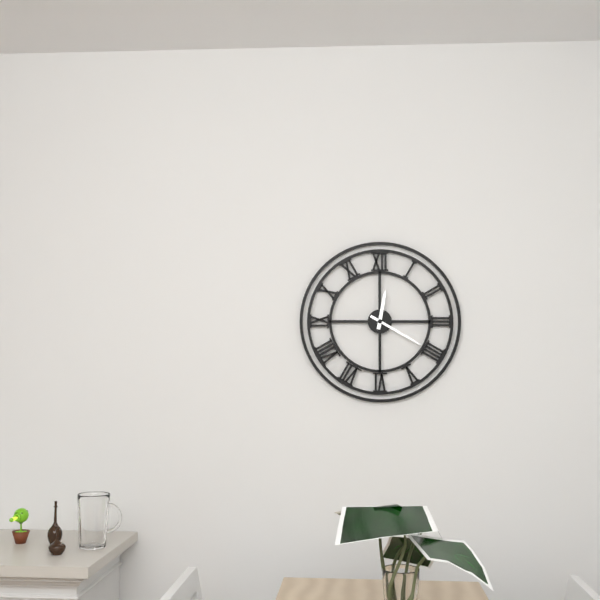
12:20
